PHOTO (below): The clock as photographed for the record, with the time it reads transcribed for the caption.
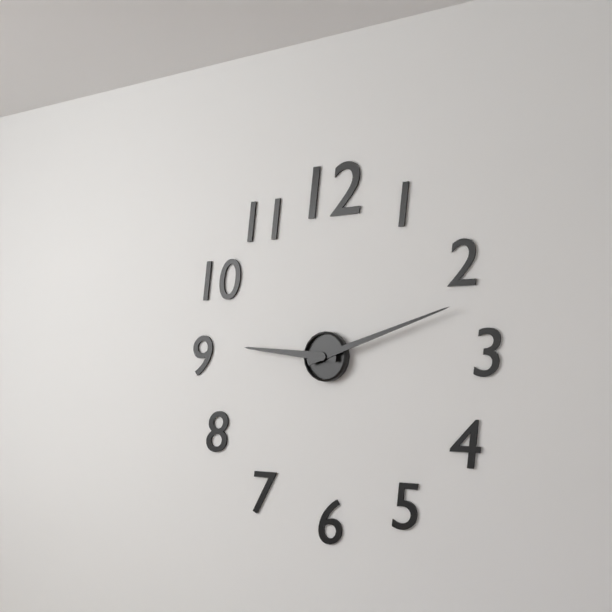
9:12
